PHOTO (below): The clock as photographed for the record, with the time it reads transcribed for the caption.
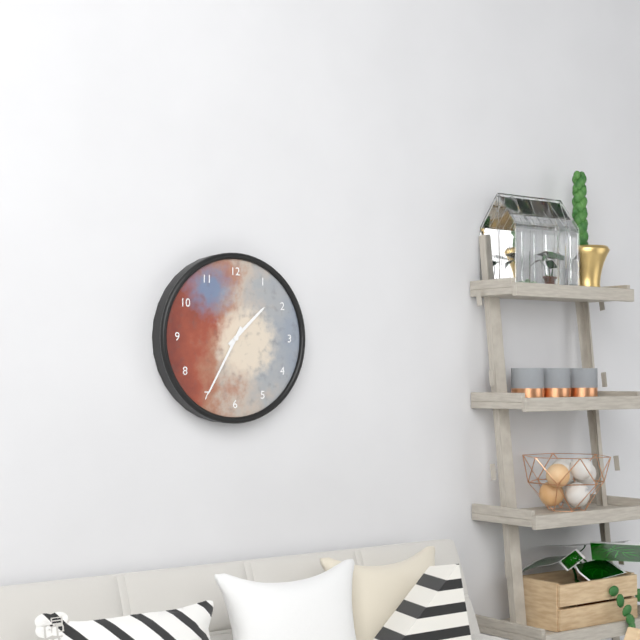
1:35
